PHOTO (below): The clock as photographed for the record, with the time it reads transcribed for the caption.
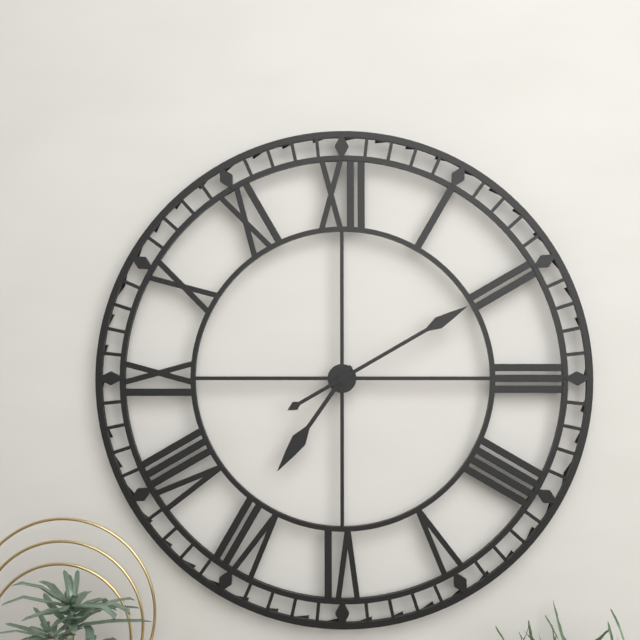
7:10
